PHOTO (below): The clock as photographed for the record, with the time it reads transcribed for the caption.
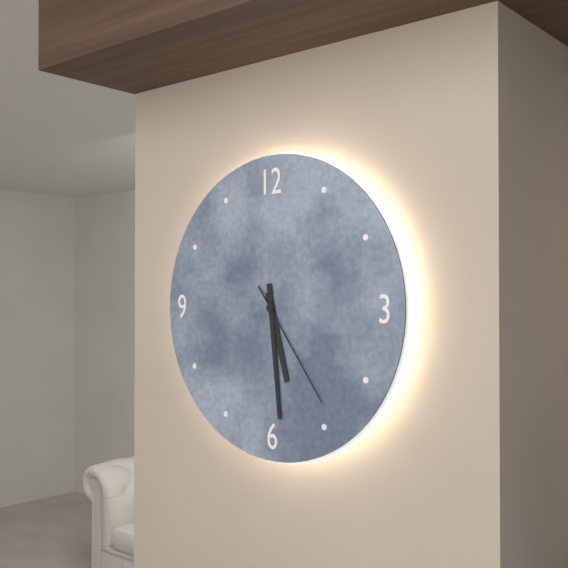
5:29:24
